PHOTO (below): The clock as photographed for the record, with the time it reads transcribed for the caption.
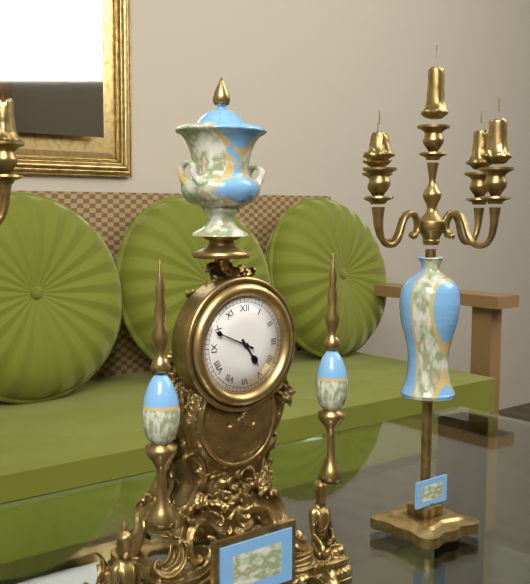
4:49
